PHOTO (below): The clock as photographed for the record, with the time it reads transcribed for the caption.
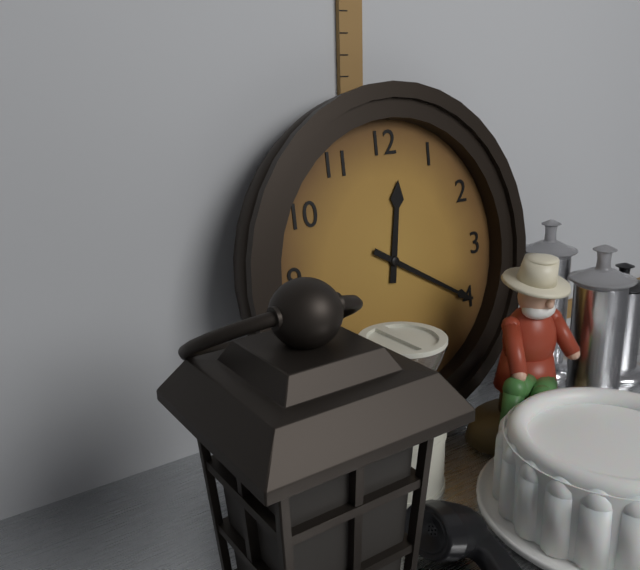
12:20
